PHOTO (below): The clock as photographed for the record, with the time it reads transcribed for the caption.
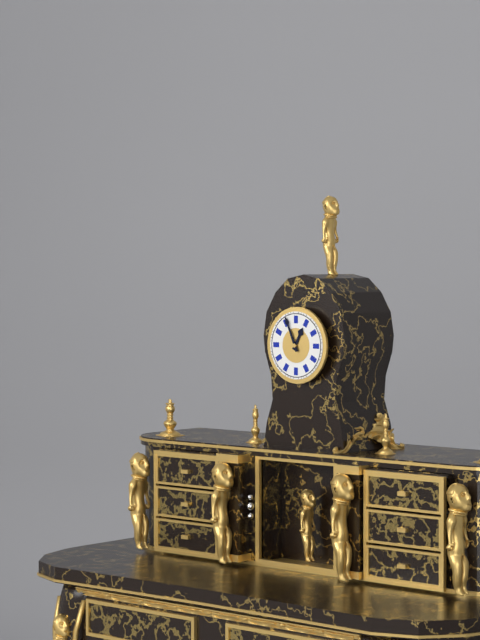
12:56
